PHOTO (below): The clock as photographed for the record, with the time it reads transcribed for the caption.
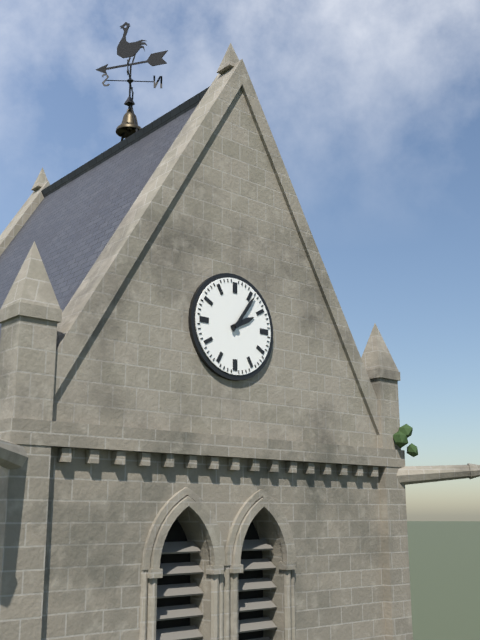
2:06
